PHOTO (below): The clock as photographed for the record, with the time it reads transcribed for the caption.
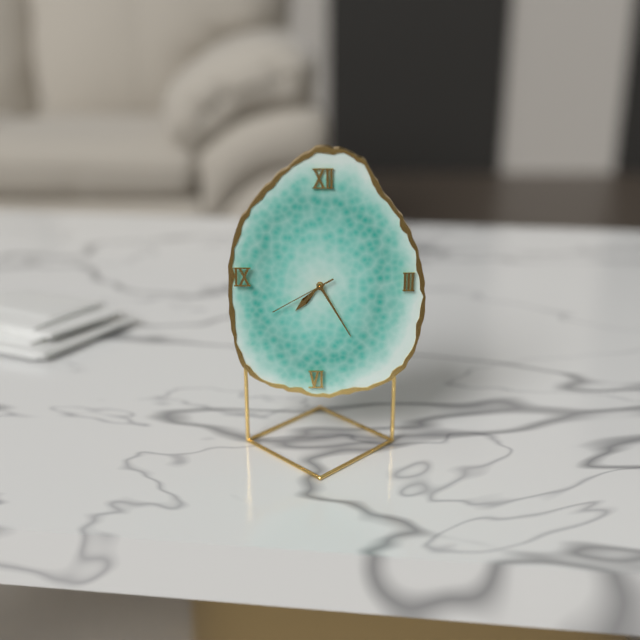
7:25:40
